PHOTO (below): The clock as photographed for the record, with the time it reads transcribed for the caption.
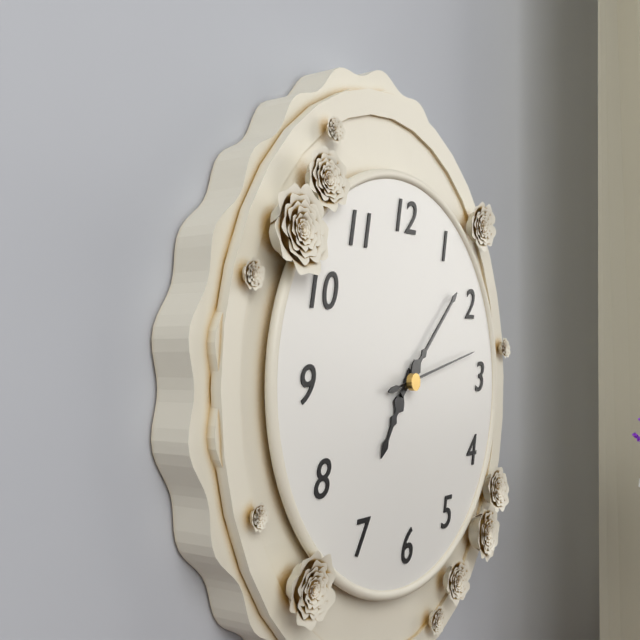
7:08:13
